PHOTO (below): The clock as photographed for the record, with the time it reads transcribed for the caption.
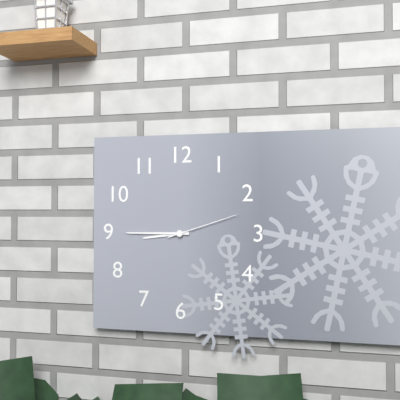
8:45:12
